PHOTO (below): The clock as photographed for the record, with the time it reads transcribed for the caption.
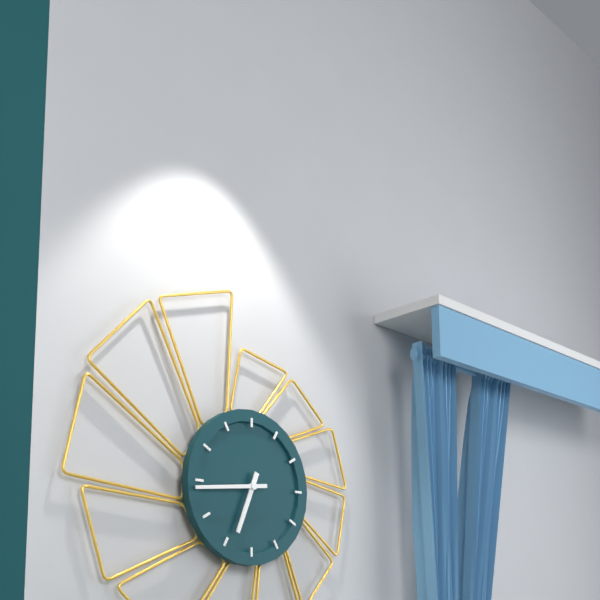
6:44
